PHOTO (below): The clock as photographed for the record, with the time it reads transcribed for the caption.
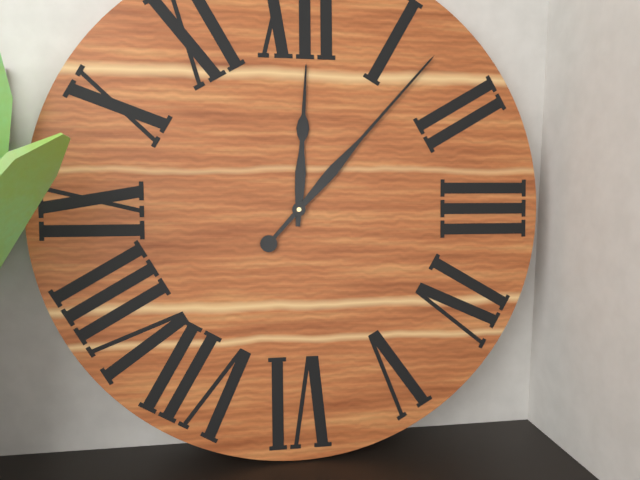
12:07
